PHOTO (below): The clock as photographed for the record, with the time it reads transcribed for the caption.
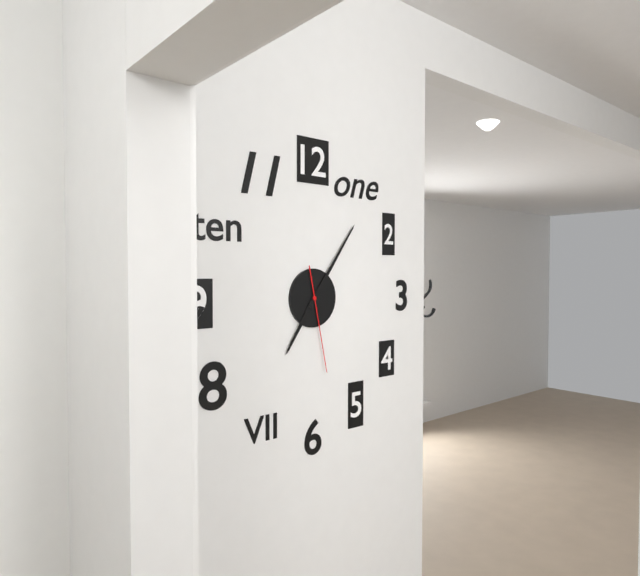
7:06:28
